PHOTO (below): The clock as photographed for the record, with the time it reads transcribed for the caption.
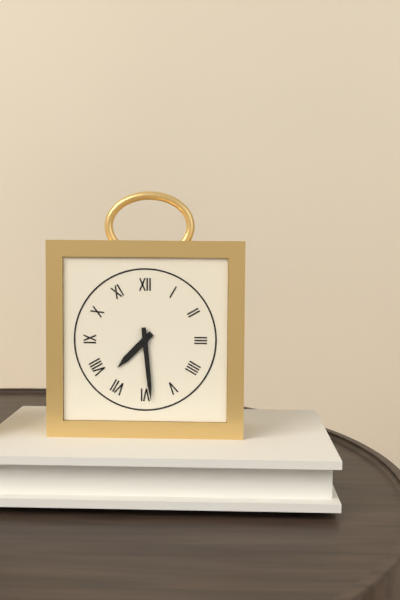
7:29
